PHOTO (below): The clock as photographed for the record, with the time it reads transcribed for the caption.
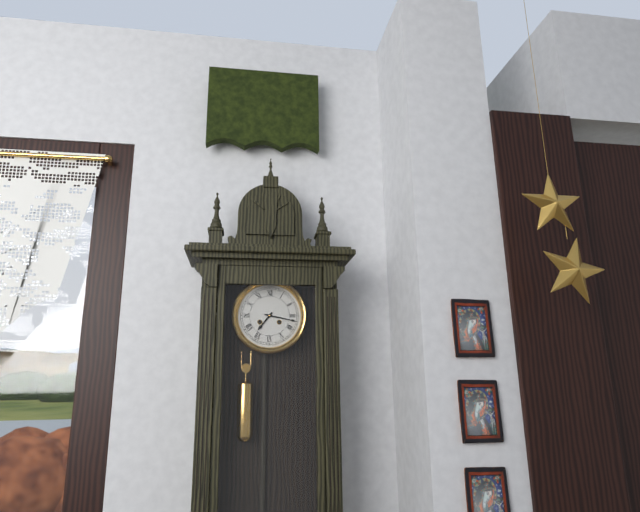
7:17
